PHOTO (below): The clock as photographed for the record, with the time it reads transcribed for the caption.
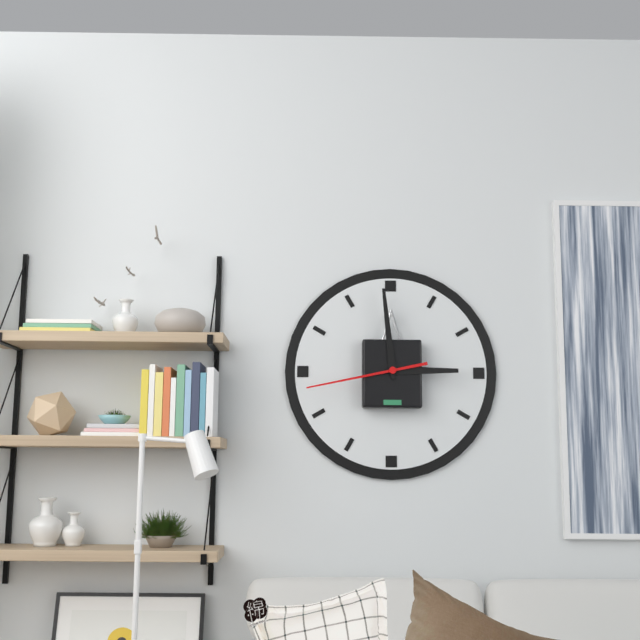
2:59:43
